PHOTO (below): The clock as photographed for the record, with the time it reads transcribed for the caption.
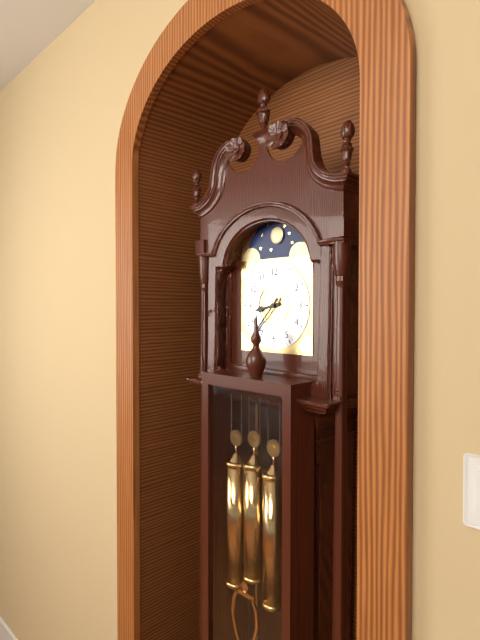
8:37
